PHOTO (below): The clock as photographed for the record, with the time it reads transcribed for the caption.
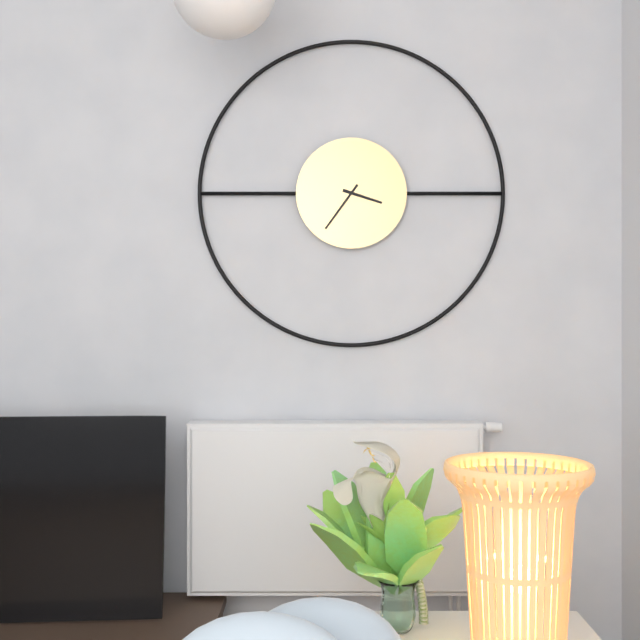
3:36
